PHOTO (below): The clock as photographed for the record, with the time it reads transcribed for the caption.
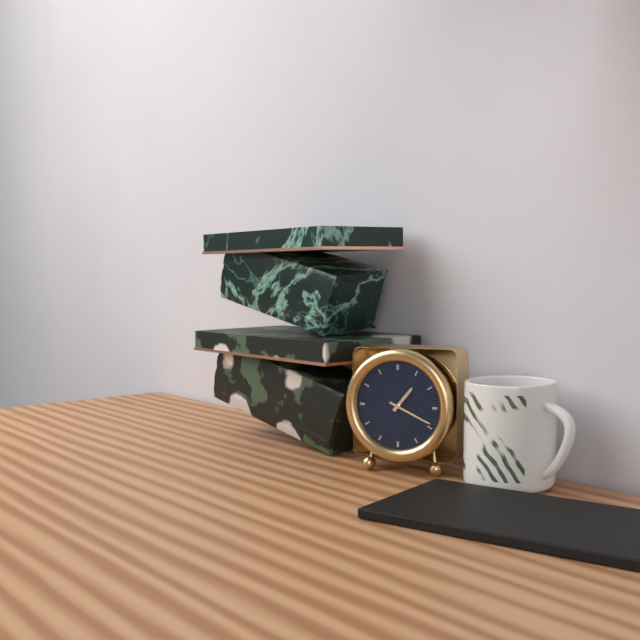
1:19
